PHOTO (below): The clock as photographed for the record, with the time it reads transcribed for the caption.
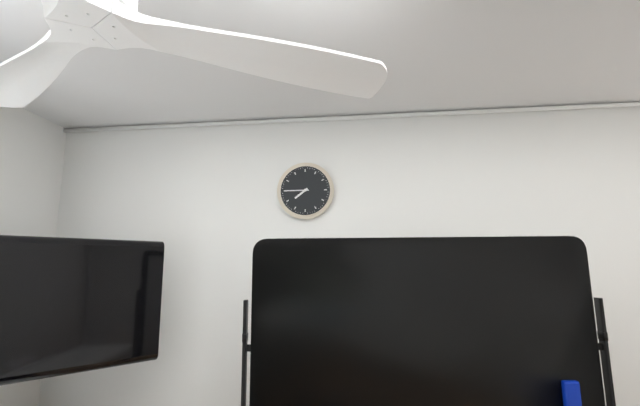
7:45
